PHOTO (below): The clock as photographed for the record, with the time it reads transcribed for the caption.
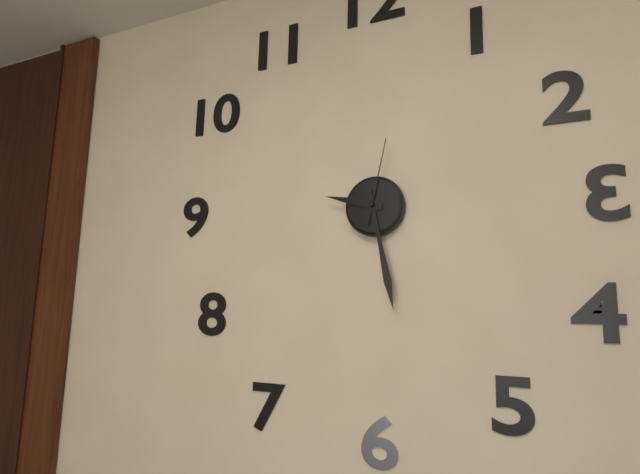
9:28:02
